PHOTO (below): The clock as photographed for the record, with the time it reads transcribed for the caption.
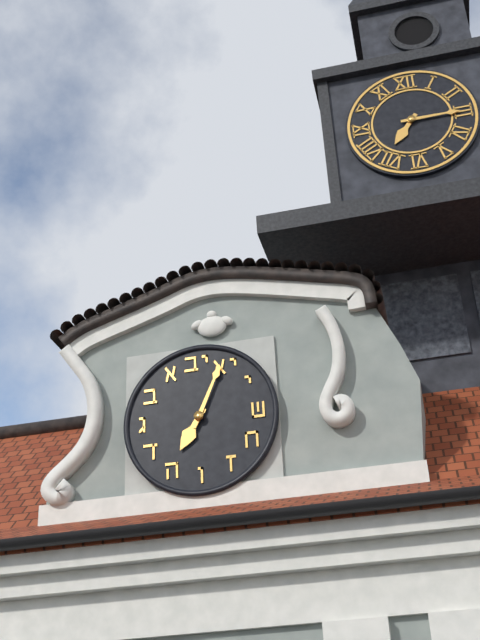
7:04
